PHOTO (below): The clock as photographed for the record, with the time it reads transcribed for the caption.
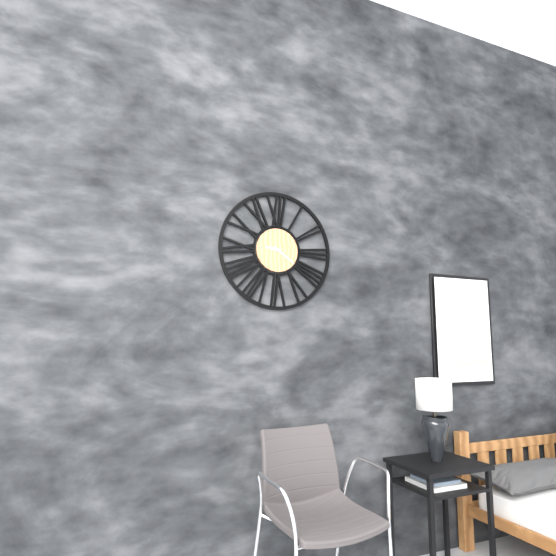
9:21
